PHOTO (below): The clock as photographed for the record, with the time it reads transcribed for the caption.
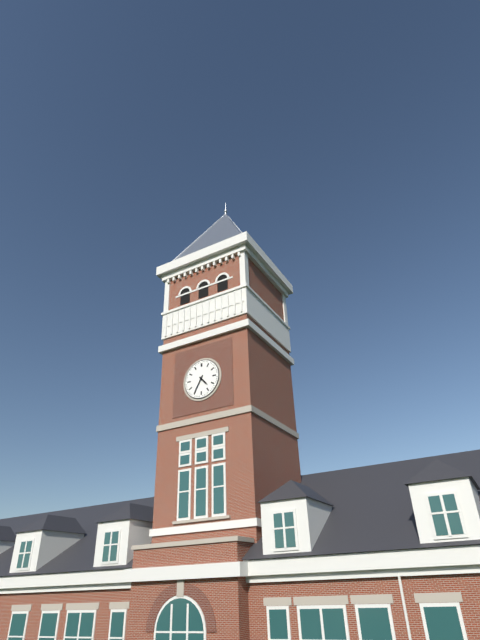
4:35
